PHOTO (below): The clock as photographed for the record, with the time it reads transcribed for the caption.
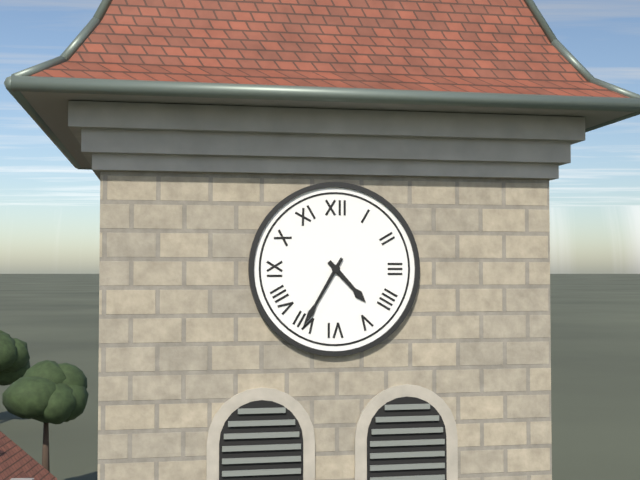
4:35
